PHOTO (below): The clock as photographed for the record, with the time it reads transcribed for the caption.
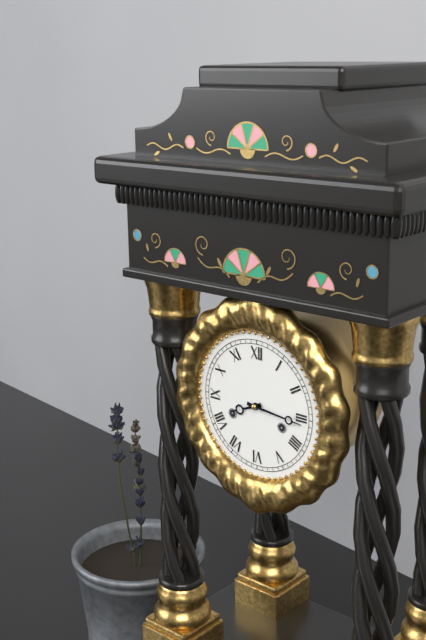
8:16
